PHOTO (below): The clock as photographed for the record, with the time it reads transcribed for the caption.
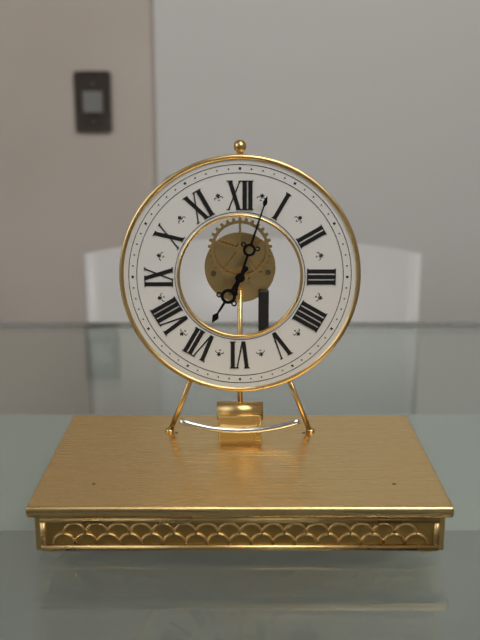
7:03
